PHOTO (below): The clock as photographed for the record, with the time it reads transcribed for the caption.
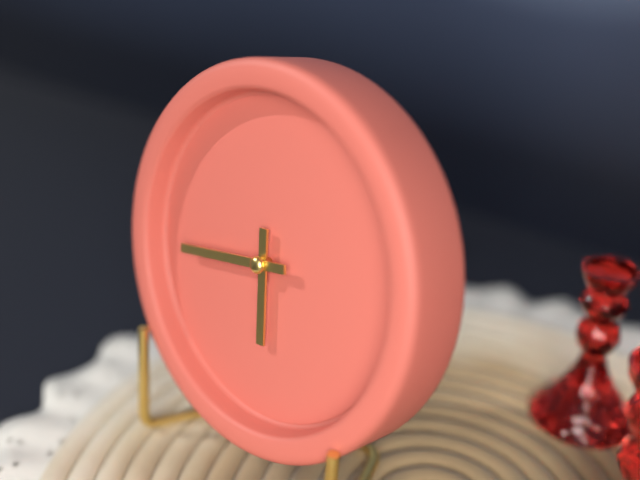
5:43
